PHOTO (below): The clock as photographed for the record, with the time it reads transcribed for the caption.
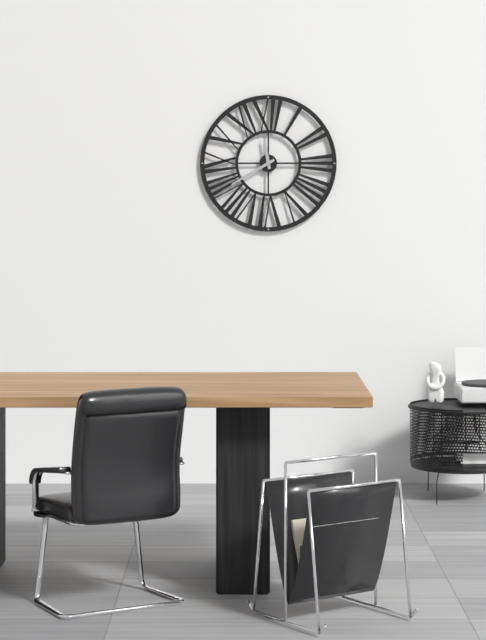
11:40
